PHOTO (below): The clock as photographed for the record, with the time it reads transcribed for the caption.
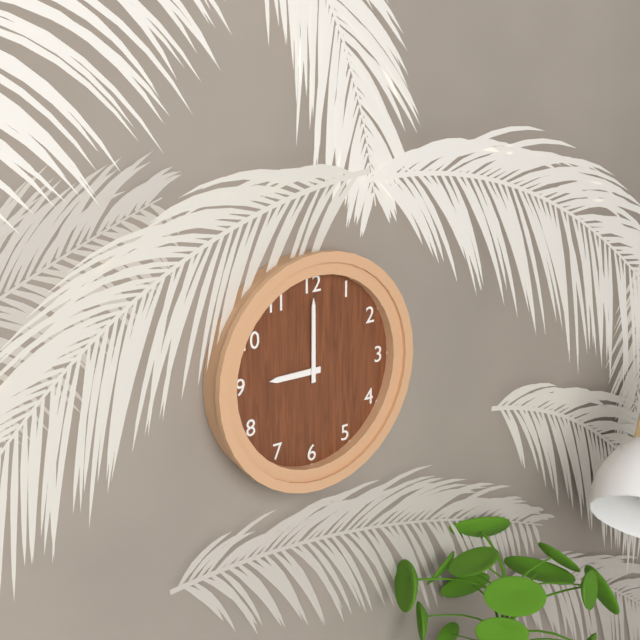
9:00
